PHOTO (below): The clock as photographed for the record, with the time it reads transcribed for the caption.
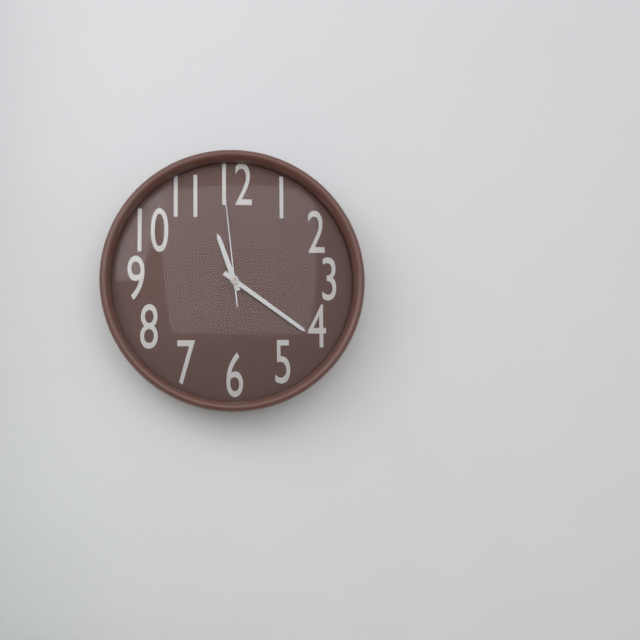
11:21:59
